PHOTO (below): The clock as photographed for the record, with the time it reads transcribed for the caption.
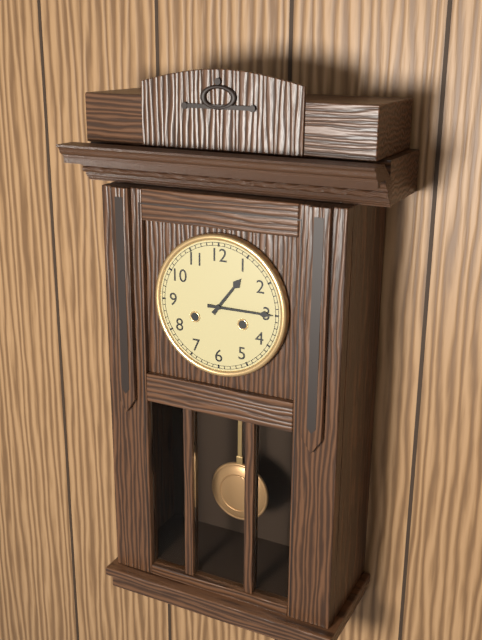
1:15
